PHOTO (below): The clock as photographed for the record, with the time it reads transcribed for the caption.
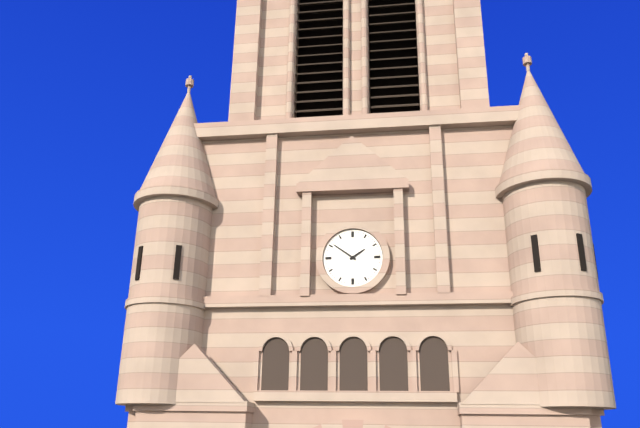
1:51
